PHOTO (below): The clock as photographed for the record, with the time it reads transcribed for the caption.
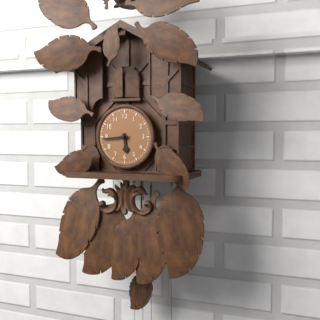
5:44
